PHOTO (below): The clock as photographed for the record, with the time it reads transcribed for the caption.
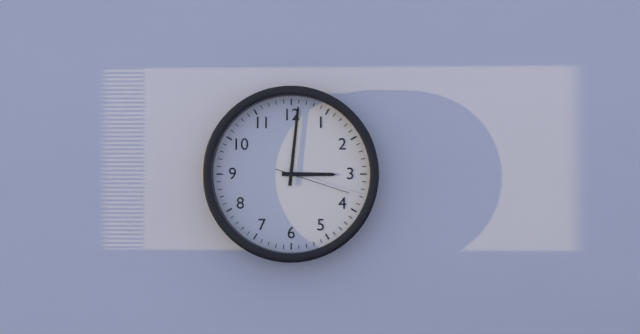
3:01:18
